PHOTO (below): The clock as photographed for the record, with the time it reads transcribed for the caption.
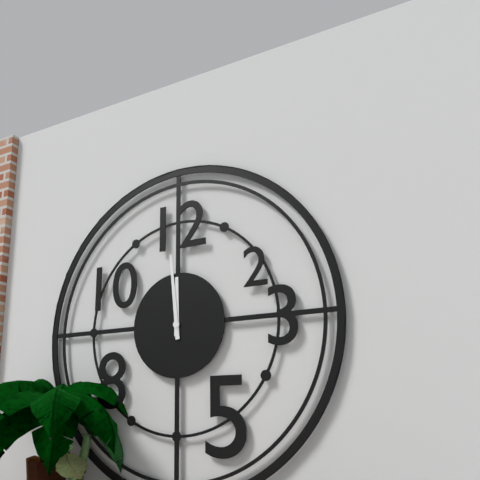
11:59
